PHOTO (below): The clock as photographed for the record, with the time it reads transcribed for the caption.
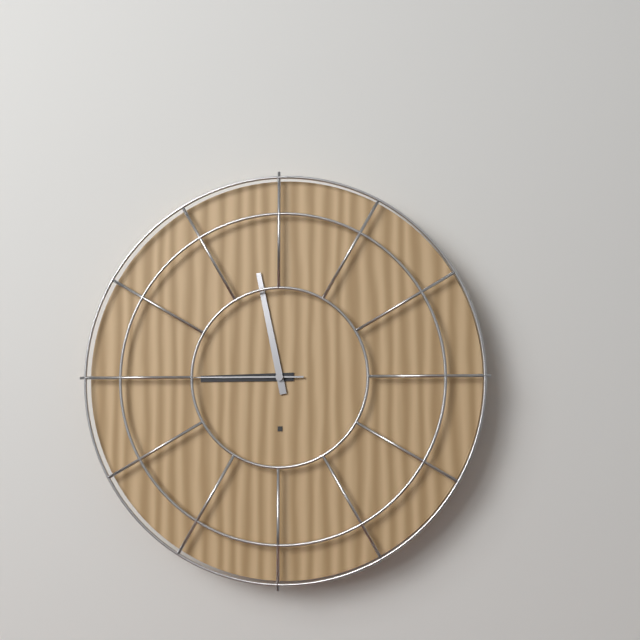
8:58:45
